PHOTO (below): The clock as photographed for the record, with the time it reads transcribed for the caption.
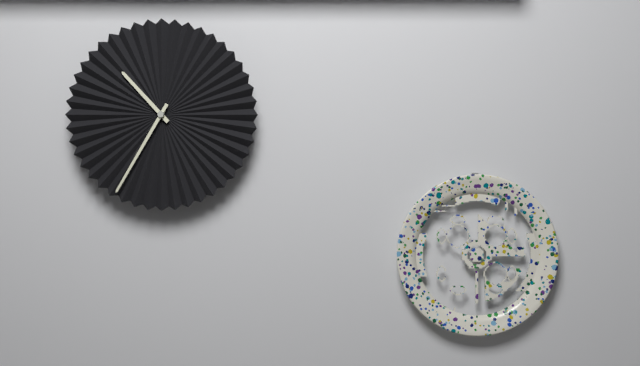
10:35
